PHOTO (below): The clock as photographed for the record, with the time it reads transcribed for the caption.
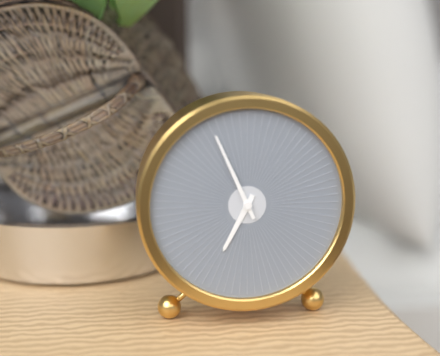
6:56
